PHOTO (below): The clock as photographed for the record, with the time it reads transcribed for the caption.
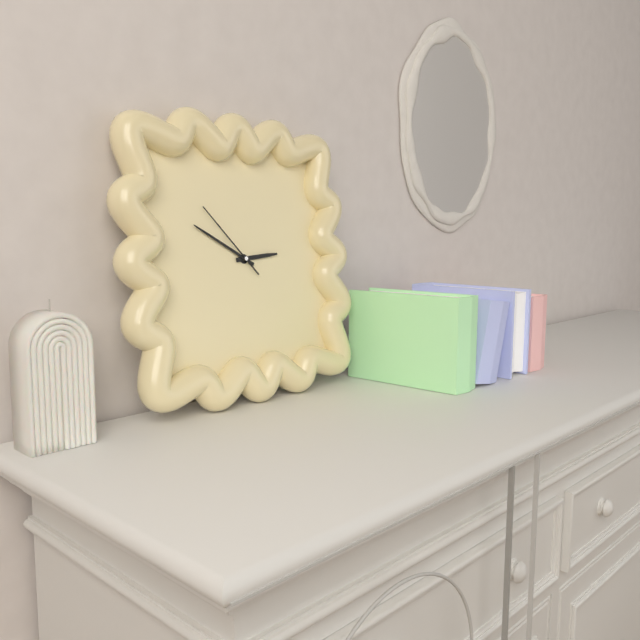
2:50:53
